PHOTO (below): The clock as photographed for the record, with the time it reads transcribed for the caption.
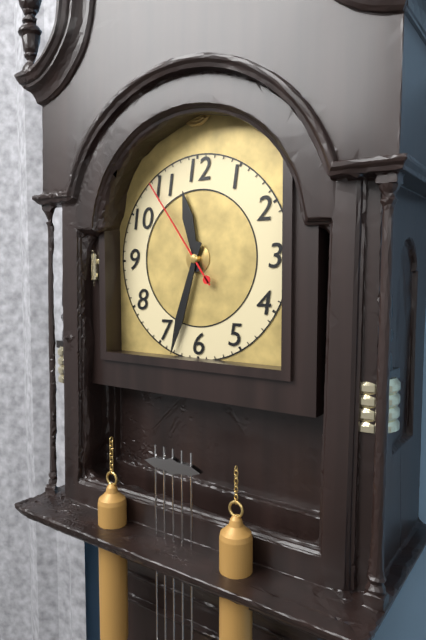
11:33:54
